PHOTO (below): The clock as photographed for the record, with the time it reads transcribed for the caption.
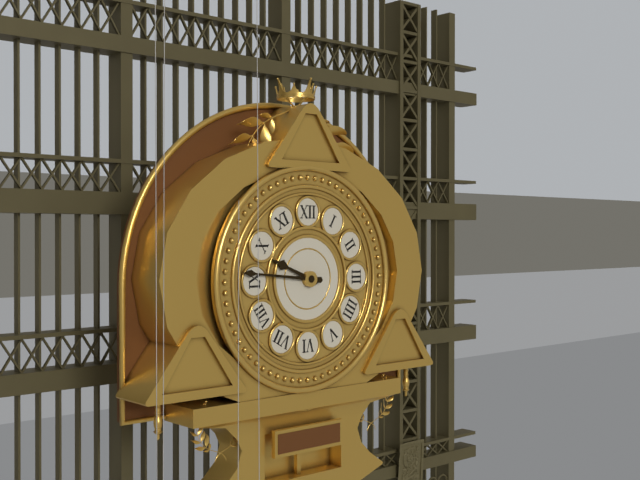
9:46
